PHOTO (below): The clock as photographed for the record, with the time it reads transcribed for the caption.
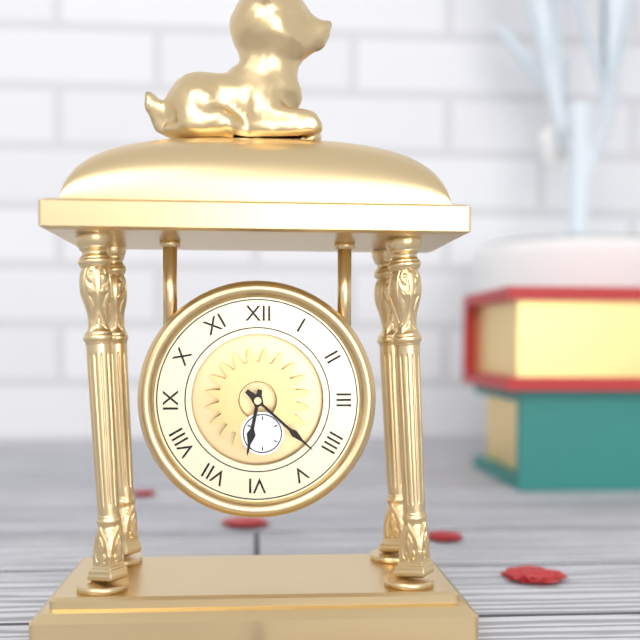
6:22
